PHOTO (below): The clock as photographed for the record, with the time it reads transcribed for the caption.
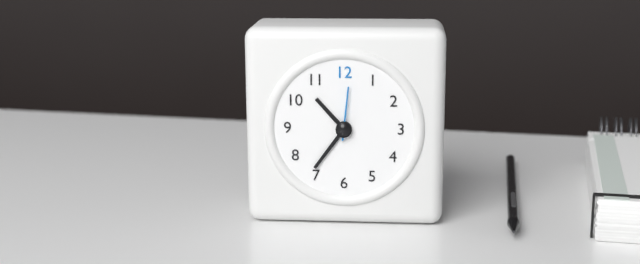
10:36:01
